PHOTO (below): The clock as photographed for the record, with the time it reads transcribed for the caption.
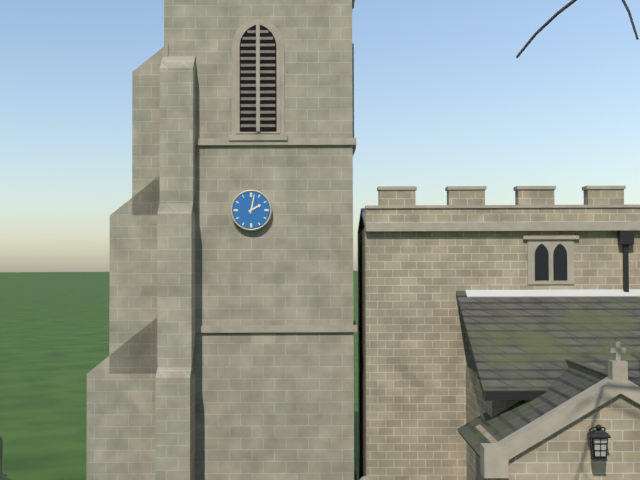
2:02
